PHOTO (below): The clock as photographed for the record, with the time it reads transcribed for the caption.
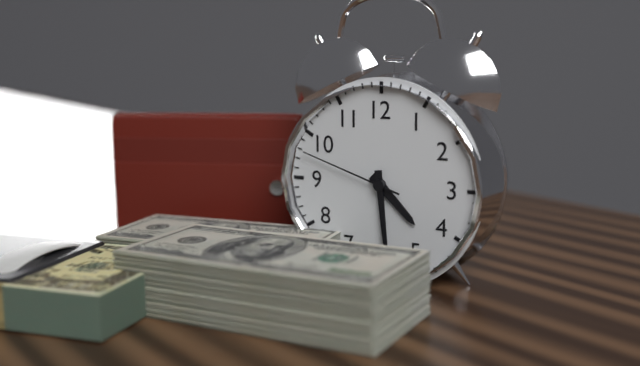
4:29:48
